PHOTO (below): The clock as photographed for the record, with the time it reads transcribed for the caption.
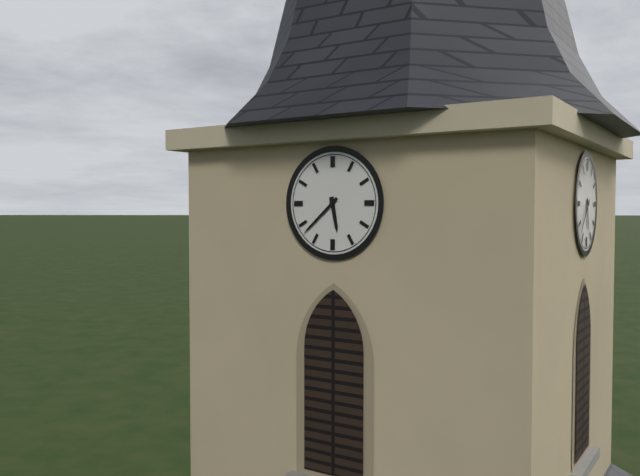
5:38
